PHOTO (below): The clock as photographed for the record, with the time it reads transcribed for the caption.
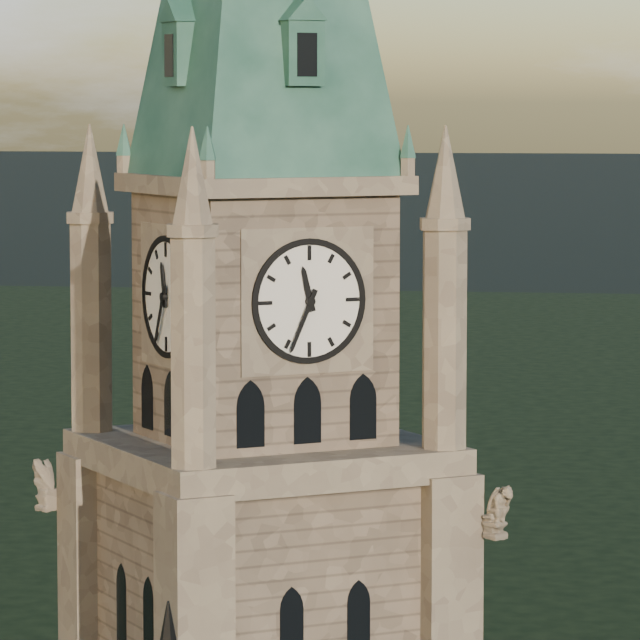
11:34
